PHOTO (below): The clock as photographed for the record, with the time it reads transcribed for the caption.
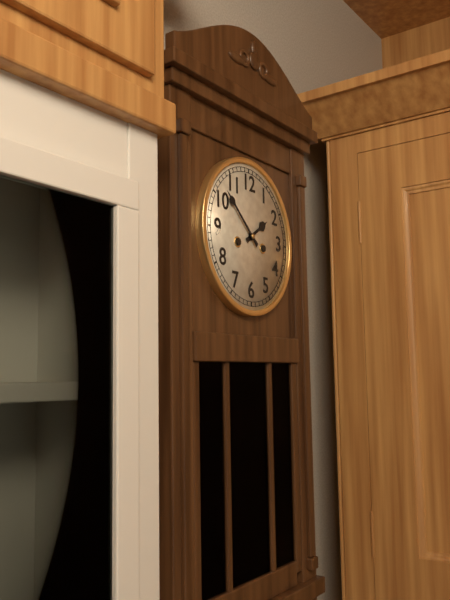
1:52
